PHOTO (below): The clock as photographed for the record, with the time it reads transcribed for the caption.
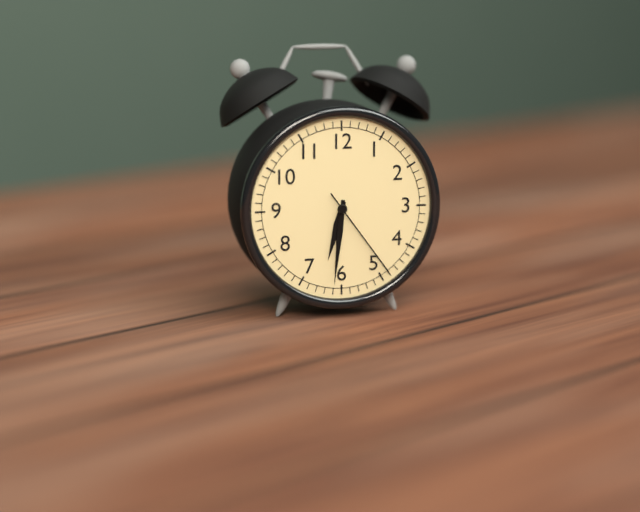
6:31:24
